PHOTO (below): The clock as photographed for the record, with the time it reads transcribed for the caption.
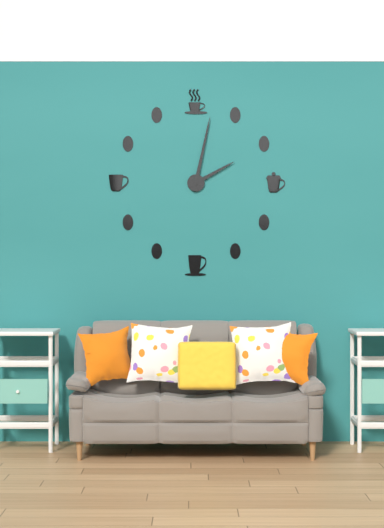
2:02
